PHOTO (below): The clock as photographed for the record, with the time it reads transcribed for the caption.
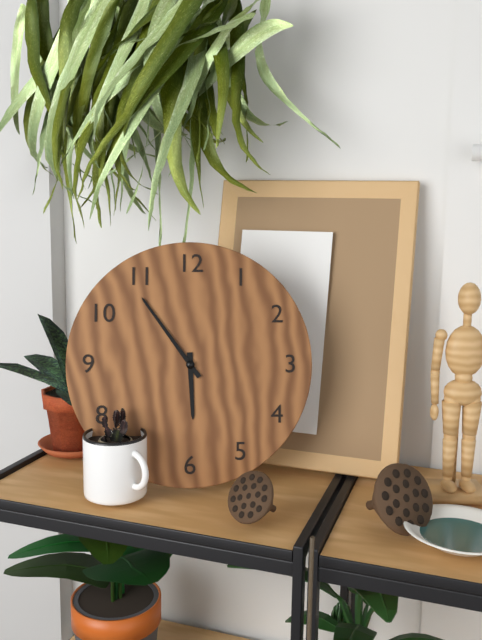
5:54
